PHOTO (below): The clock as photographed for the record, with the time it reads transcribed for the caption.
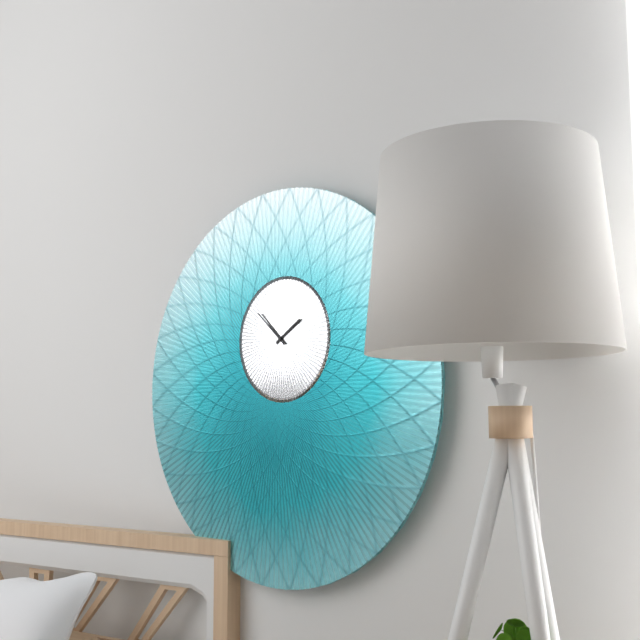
1:52
